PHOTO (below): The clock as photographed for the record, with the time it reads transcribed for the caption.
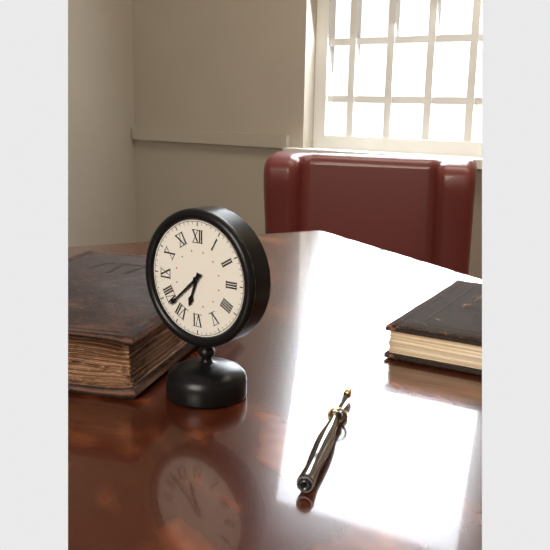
6:38
